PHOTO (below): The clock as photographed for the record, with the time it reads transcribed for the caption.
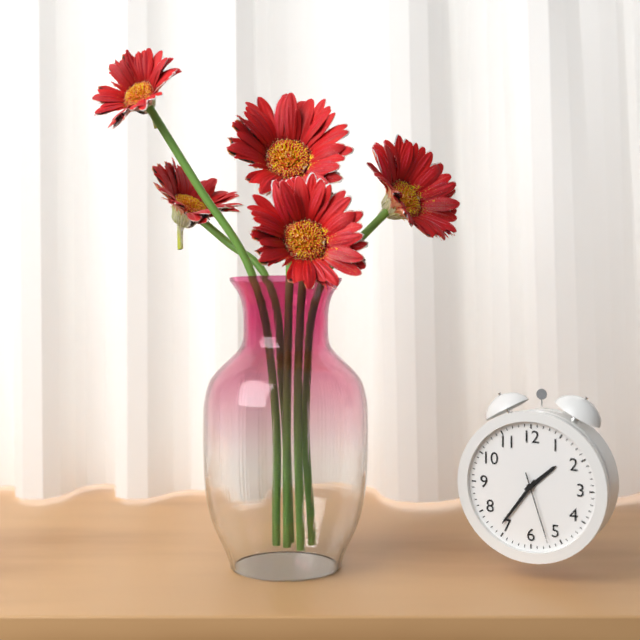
1:36:27
